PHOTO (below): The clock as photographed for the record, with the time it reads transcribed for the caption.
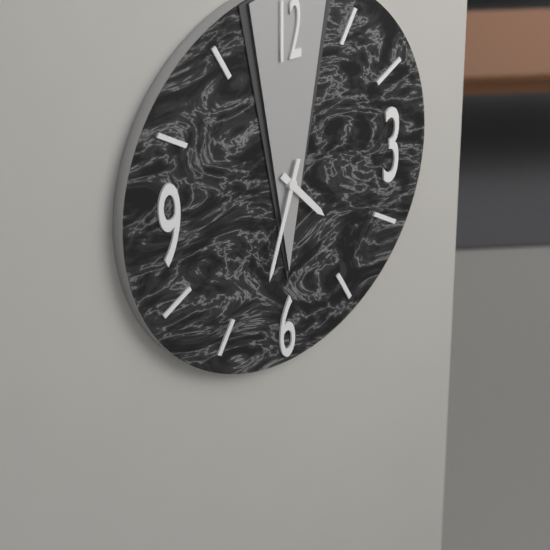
4:33
